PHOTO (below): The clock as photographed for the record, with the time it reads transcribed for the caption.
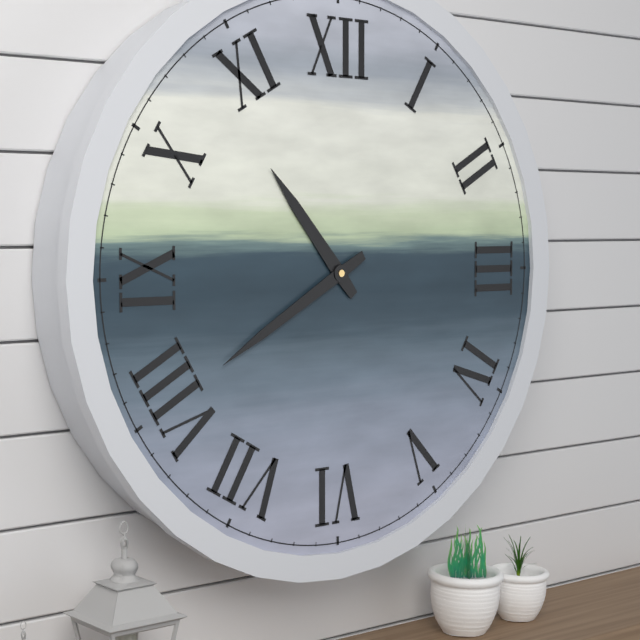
10:40
